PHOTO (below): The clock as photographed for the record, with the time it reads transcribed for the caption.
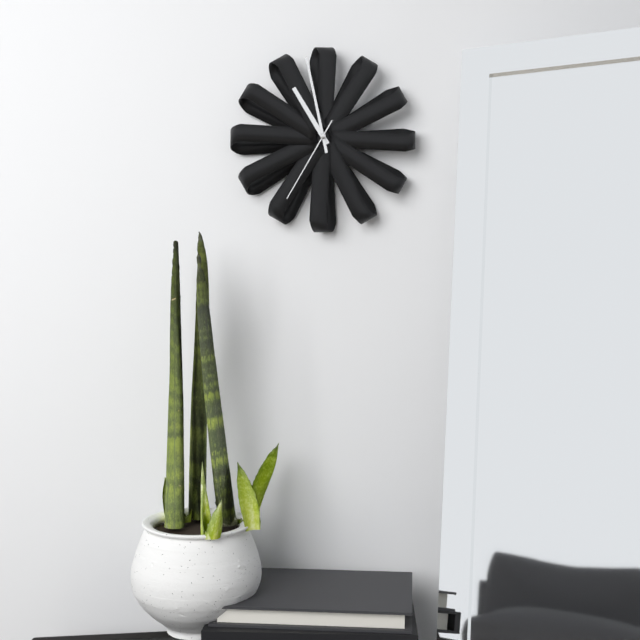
10:58:35
